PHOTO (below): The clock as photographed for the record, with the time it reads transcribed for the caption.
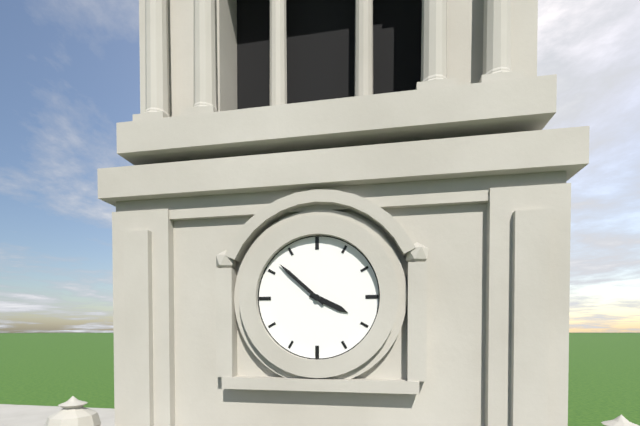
3:52
